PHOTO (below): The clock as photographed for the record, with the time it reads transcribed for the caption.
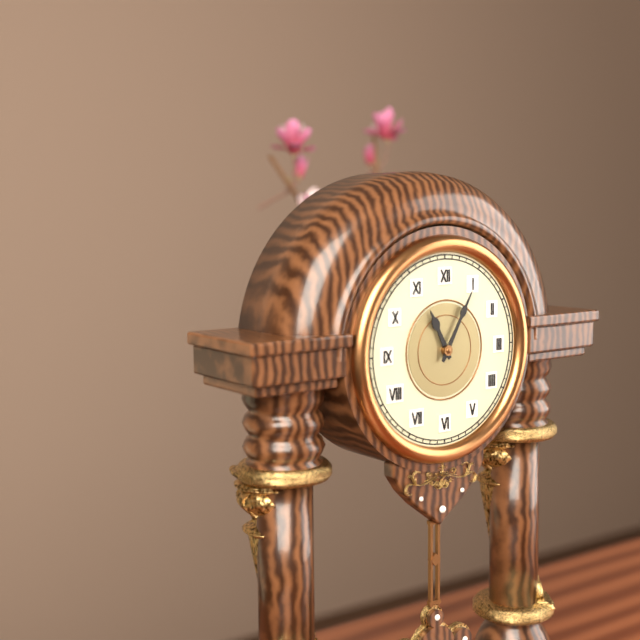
11:05
